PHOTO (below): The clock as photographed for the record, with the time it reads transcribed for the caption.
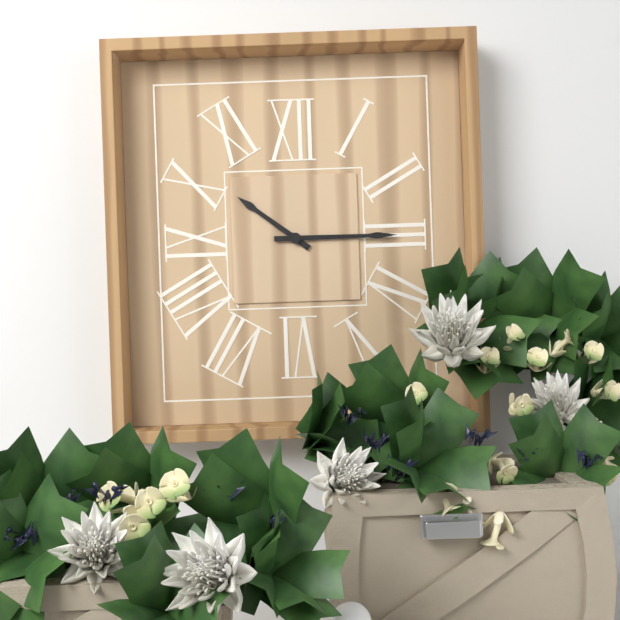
10:15
